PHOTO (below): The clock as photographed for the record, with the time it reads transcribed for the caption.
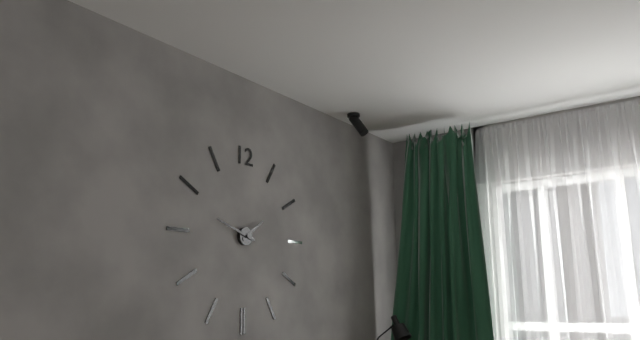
1:48
